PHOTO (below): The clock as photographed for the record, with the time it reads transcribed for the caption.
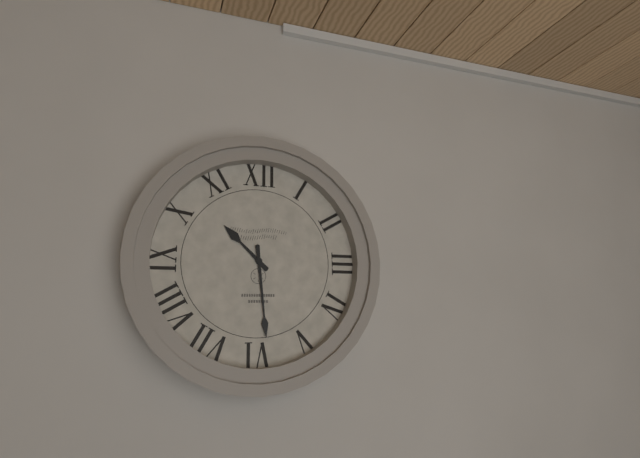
10:29
